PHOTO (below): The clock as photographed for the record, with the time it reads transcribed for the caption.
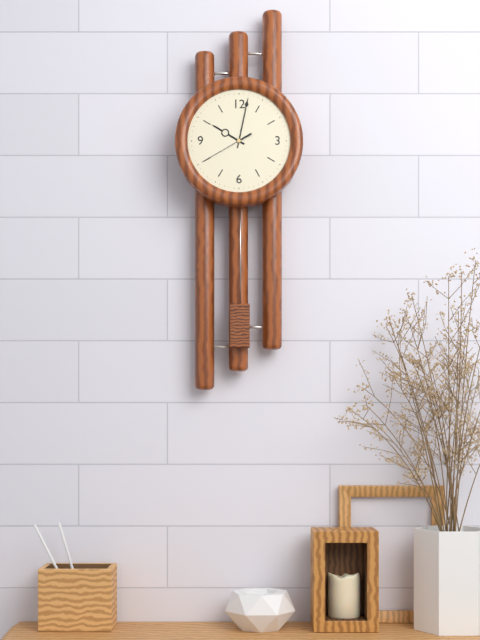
10:02:40
